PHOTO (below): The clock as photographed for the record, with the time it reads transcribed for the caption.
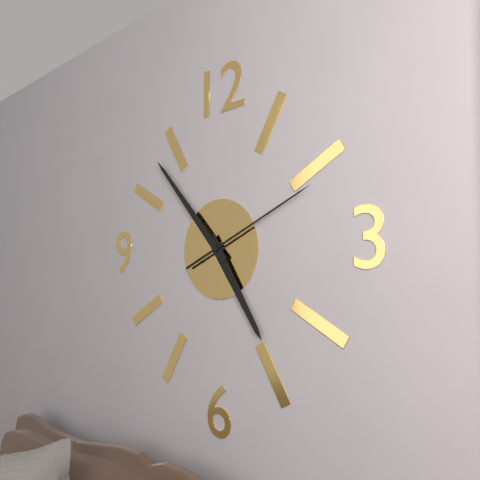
4:53:11
